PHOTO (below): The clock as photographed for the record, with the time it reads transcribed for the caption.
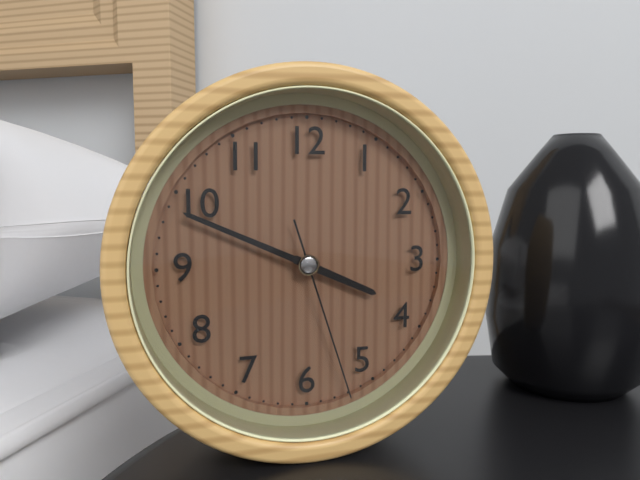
3:49:27
